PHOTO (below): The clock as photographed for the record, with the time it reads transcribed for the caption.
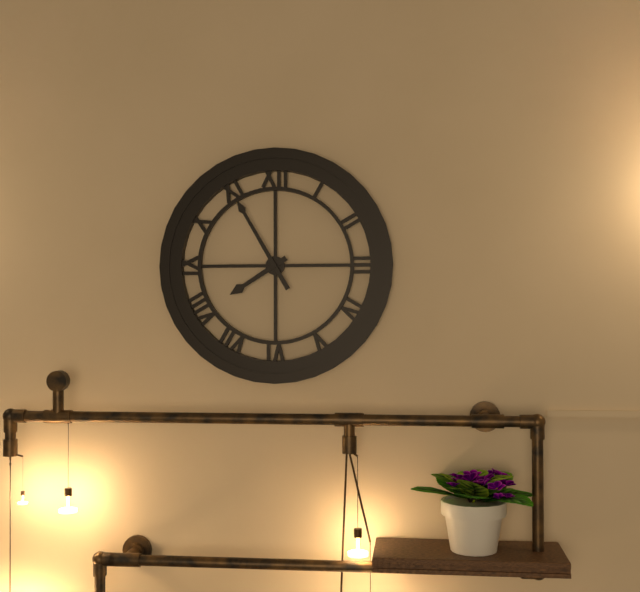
7:55
